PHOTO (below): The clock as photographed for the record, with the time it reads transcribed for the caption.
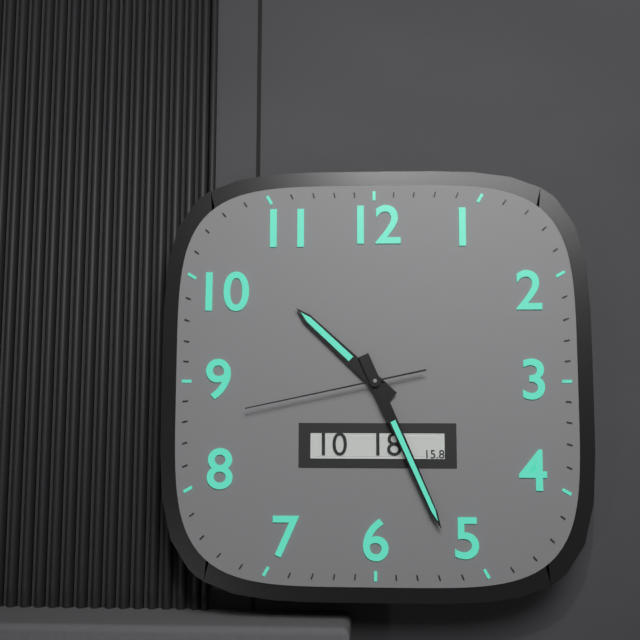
10:26:43
